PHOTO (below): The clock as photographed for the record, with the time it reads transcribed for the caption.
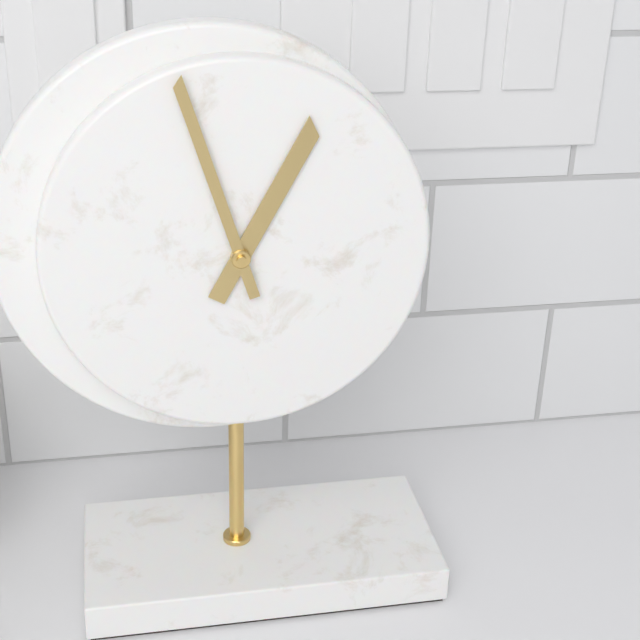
12:57
